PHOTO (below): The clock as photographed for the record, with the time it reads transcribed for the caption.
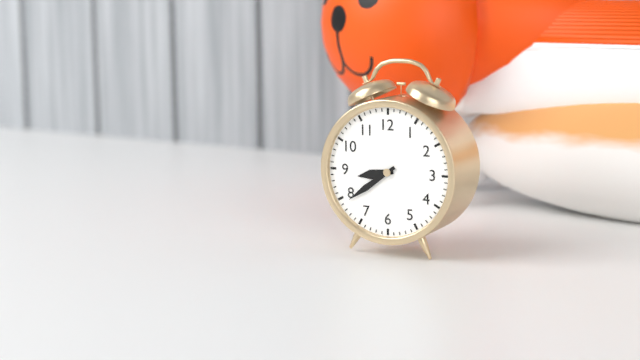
8:39
